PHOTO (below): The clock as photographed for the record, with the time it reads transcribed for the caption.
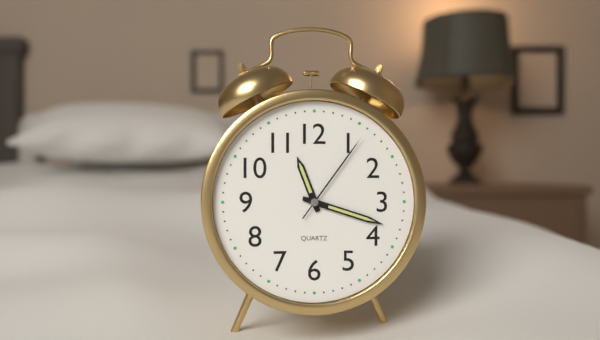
11:18:06
